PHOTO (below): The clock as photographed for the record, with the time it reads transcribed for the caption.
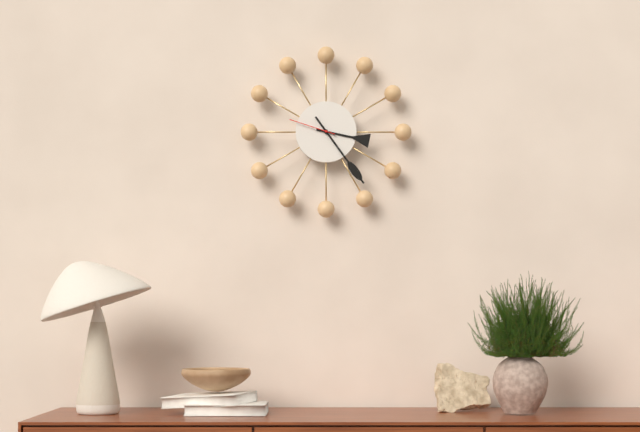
3:24
